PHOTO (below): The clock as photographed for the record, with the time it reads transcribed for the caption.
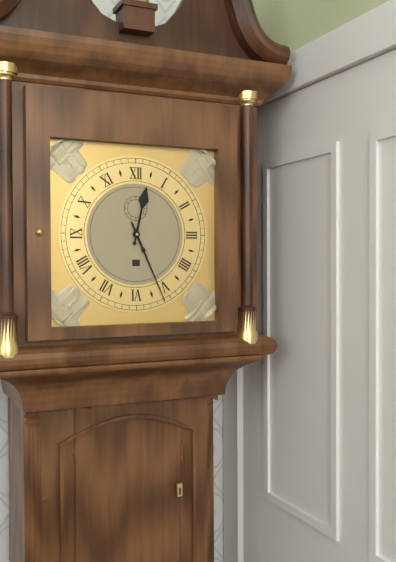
12:26
